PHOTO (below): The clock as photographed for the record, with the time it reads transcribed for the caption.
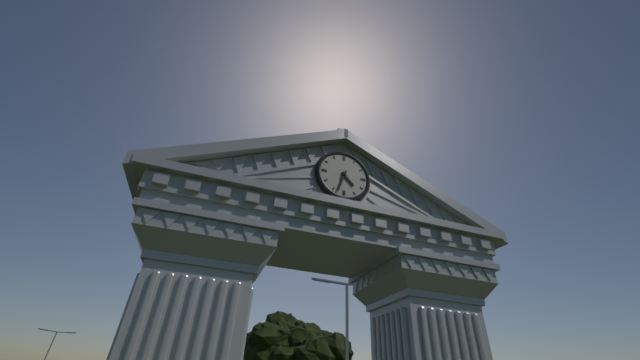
4:33
